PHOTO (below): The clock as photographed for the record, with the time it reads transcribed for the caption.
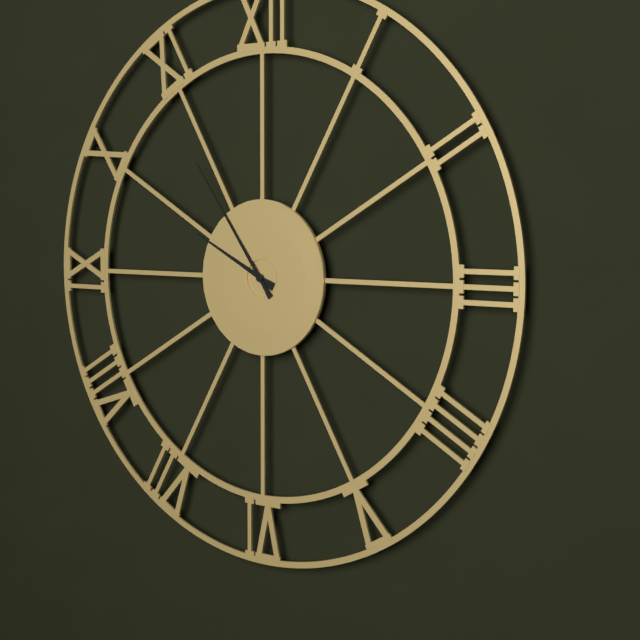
9:54
